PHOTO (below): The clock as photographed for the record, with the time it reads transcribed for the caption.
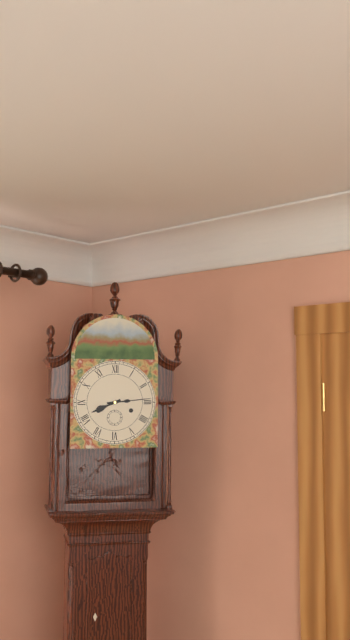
8:14
